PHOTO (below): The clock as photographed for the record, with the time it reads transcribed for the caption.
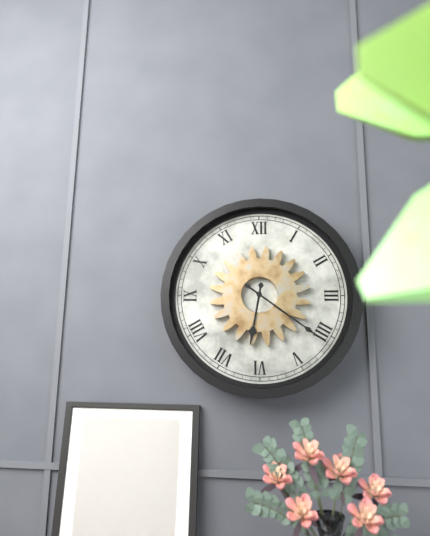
6:21
